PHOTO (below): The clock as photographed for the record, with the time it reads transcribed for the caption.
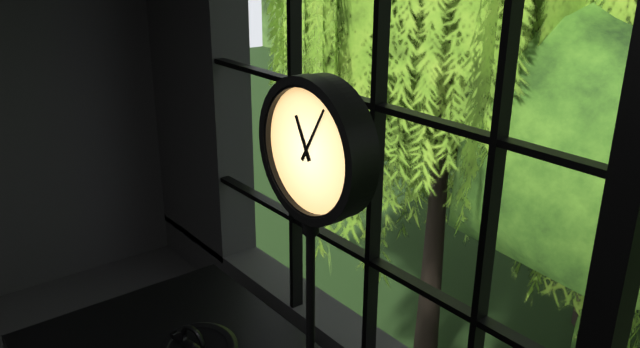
11:05
